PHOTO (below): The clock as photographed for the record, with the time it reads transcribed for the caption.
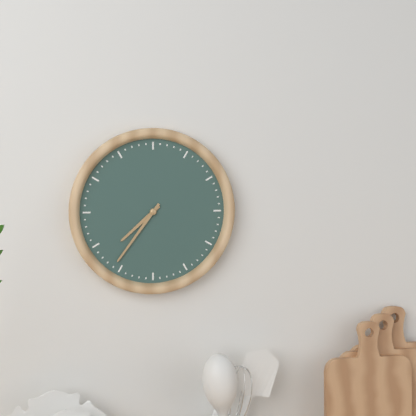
7:36
